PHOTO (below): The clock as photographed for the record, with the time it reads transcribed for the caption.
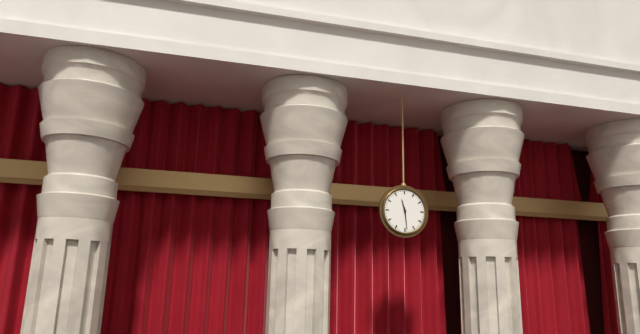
11:29
